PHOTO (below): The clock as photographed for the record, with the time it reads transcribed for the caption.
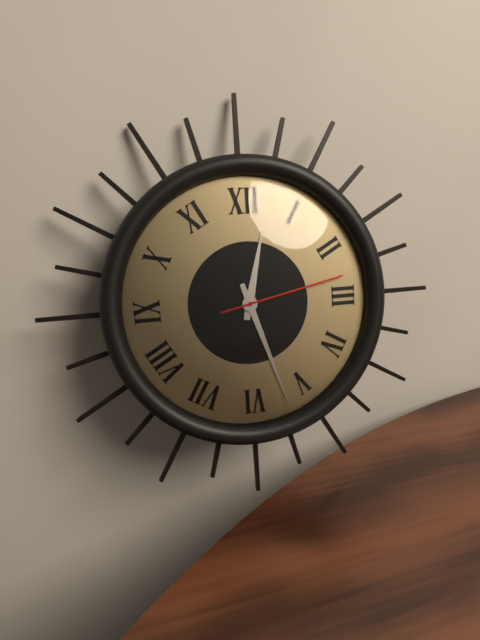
12:27:13
